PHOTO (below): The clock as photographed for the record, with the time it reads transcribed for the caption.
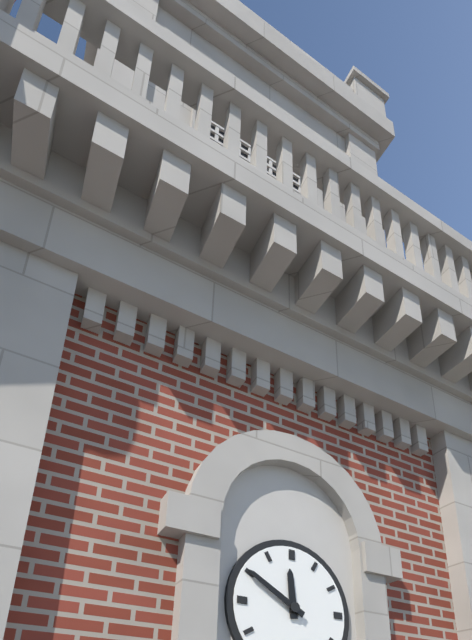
11:50
